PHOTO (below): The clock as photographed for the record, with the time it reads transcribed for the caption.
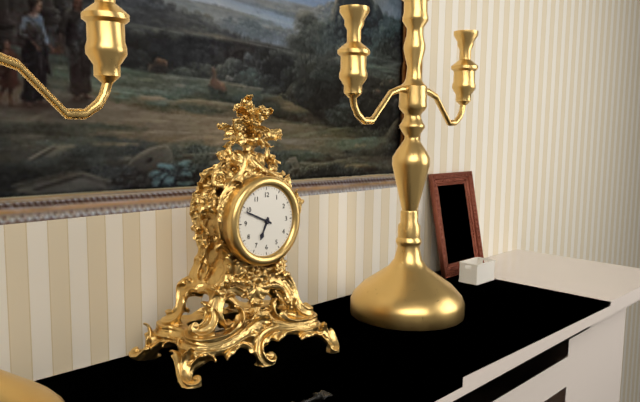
6:49
